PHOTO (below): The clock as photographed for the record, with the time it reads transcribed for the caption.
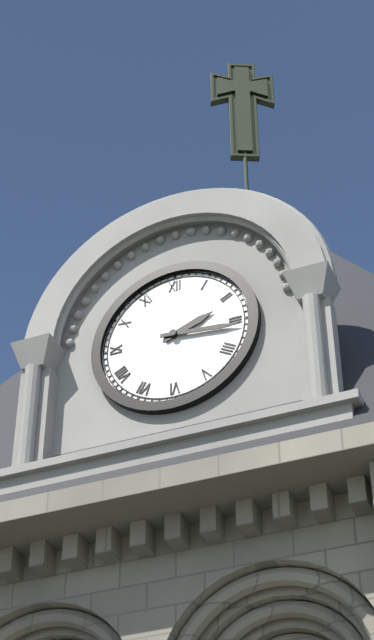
2:16
